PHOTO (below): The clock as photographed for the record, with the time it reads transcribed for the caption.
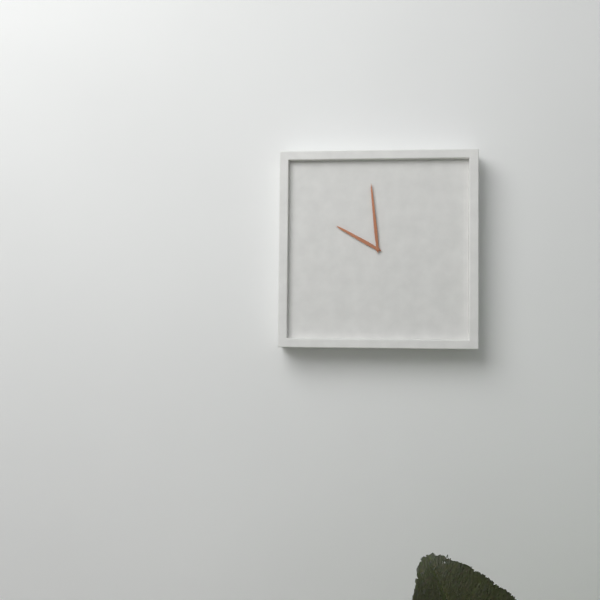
9:59
